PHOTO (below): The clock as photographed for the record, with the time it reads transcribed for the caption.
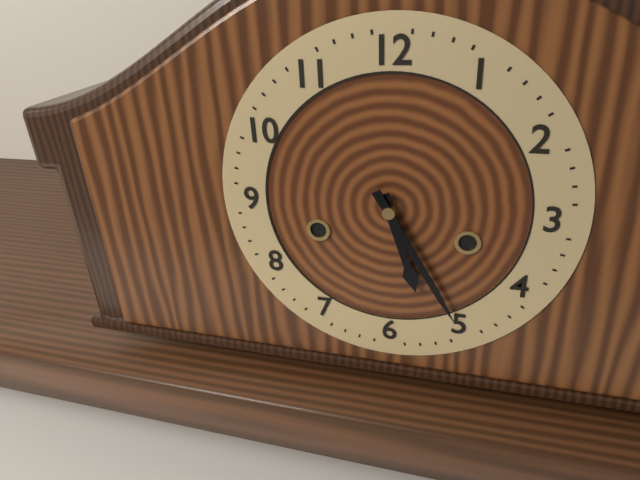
5:25
